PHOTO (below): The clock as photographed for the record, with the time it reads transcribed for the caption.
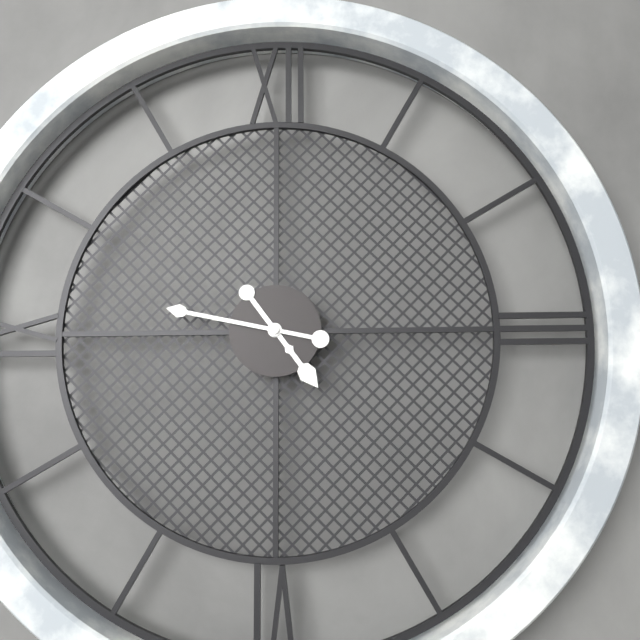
4:47
